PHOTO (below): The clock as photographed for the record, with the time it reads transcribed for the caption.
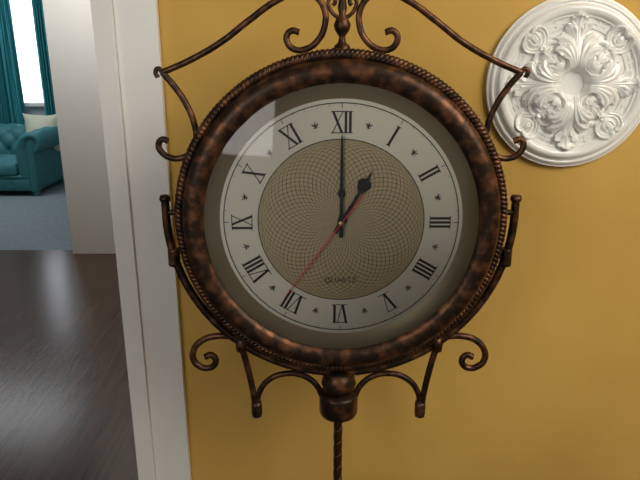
1:00:36
